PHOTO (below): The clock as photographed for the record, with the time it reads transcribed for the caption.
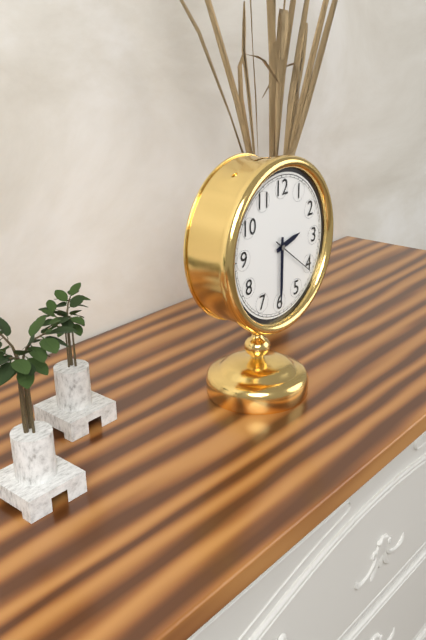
2:30:21
